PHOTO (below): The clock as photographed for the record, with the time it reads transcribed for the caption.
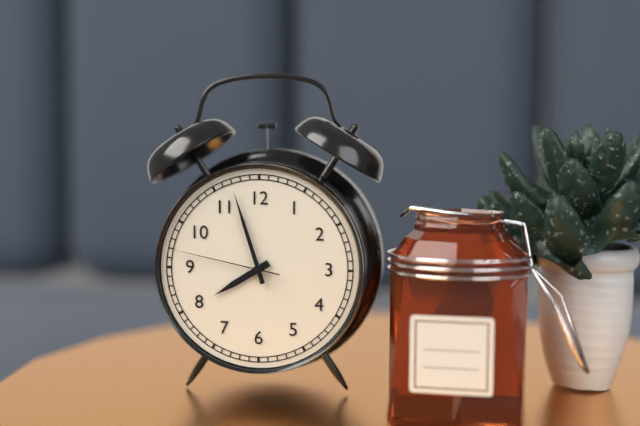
7:57:47
